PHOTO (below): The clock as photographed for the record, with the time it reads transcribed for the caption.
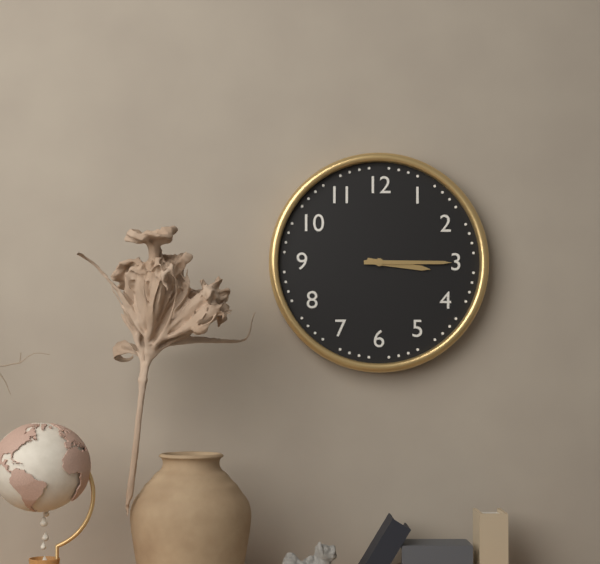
3:15
